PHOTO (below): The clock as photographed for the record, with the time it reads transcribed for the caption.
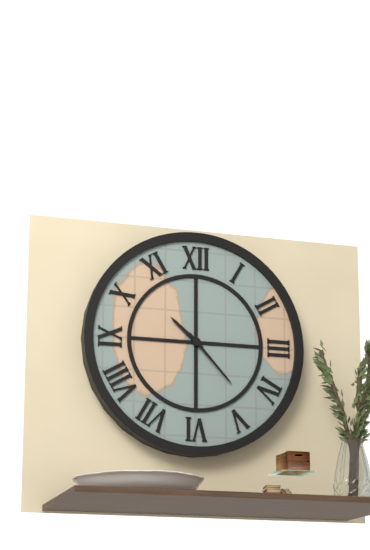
10:23
